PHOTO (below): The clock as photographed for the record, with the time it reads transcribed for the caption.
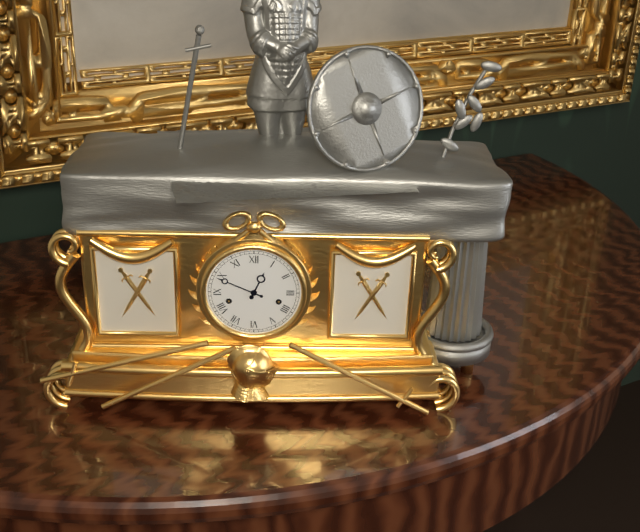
12:49
